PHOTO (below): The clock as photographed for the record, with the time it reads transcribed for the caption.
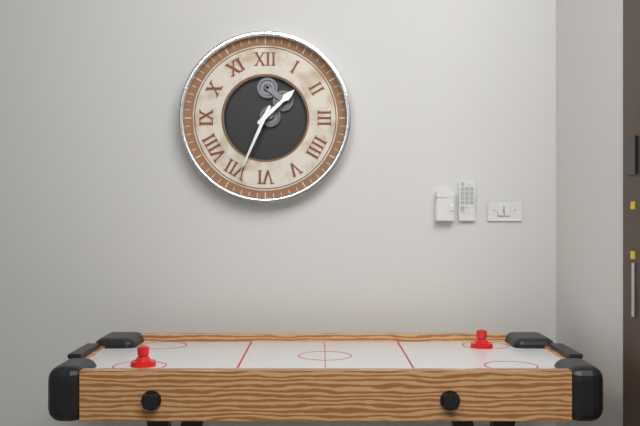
1:34
